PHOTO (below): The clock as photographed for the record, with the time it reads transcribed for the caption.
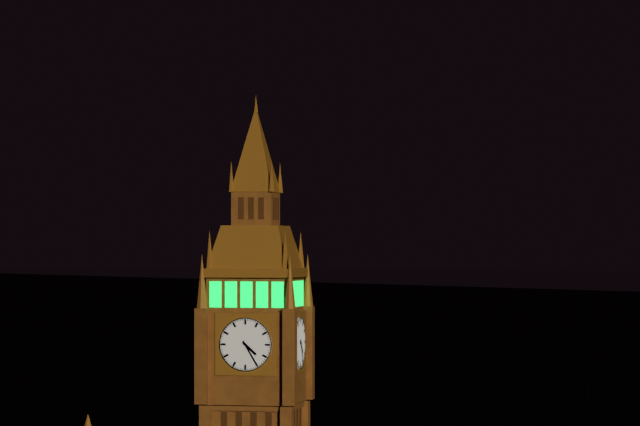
4:25
